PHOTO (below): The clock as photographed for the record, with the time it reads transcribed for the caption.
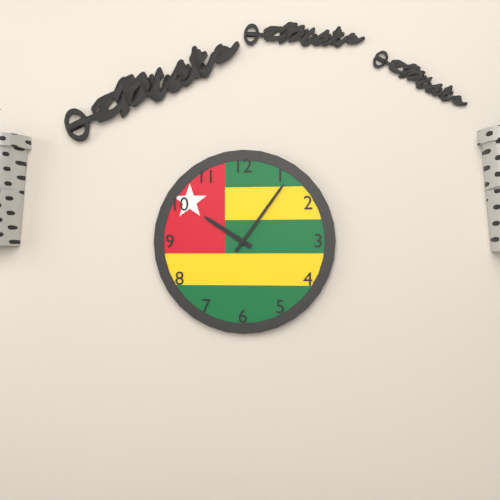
10:06
